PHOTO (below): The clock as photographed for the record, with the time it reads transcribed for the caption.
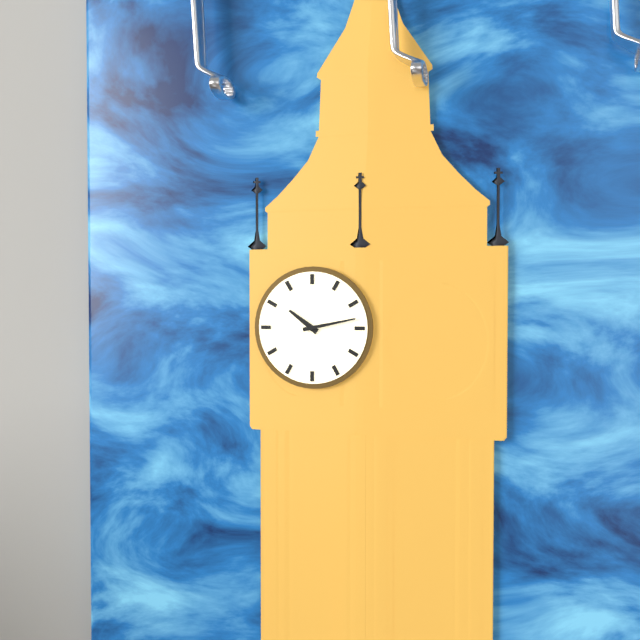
10:13
